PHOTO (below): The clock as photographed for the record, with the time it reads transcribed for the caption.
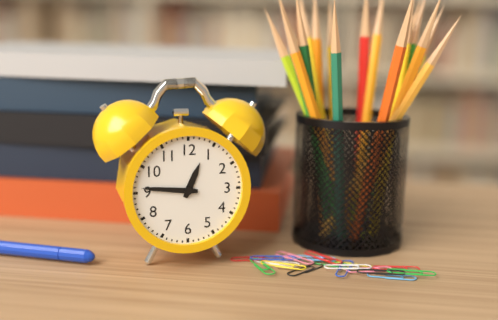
12:46
